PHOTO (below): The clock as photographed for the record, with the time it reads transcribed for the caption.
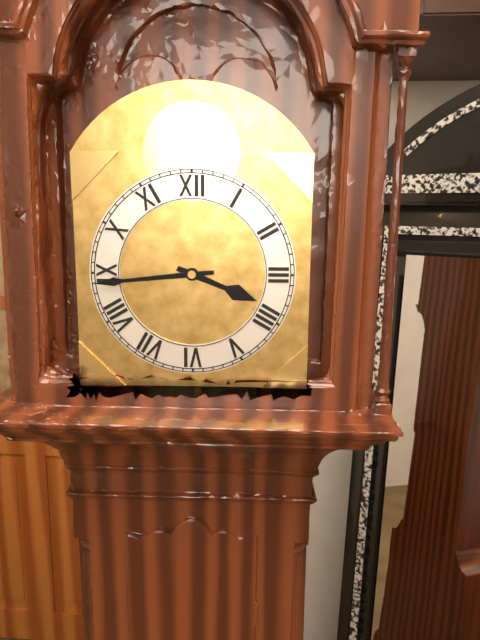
3:44
